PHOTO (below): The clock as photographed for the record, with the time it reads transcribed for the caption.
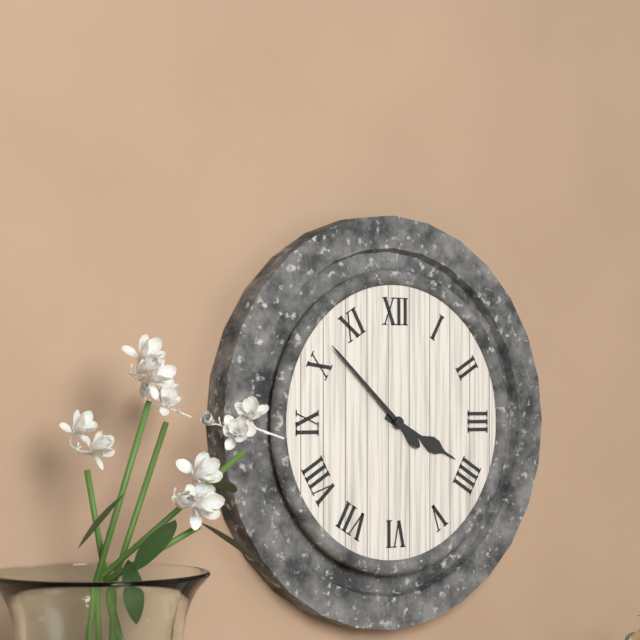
3:52
